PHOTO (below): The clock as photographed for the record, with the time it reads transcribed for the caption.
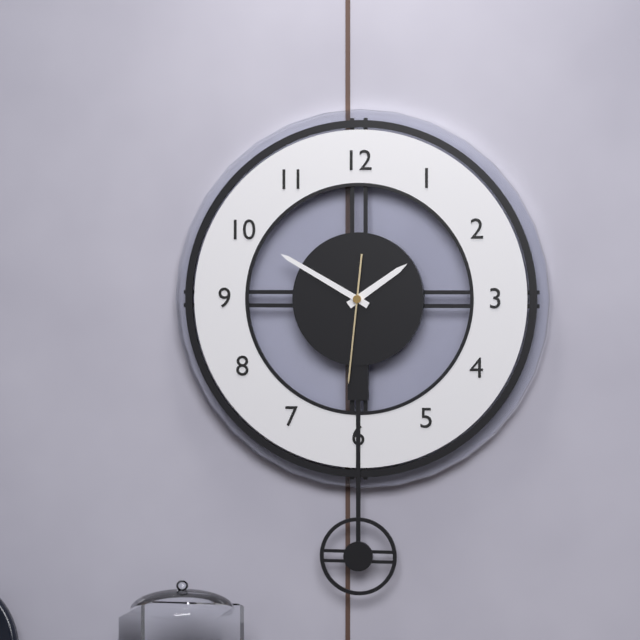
1:50:31
